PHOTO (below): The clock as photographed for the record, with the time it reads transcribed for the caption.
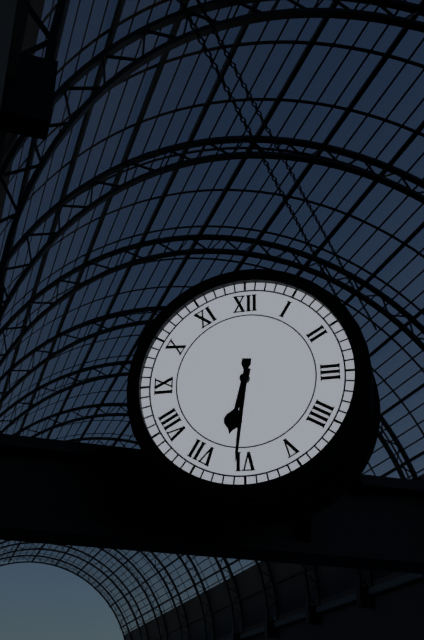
6:31
